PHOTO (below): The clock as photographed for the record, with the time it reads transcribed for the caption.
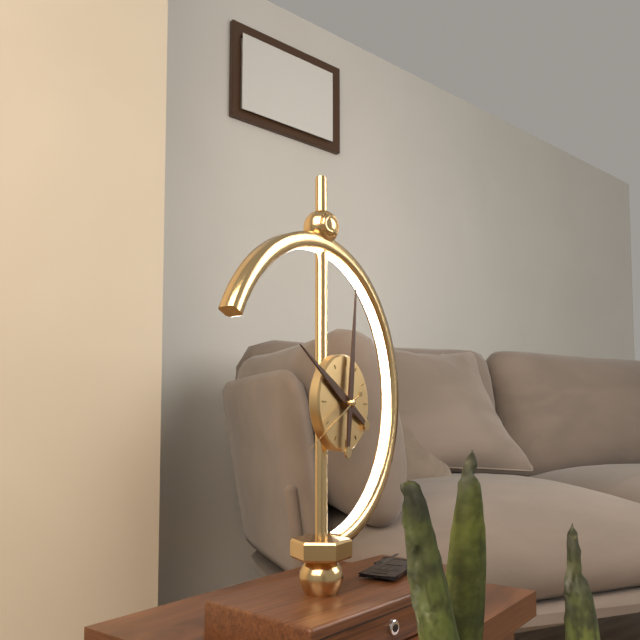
10:01:40
